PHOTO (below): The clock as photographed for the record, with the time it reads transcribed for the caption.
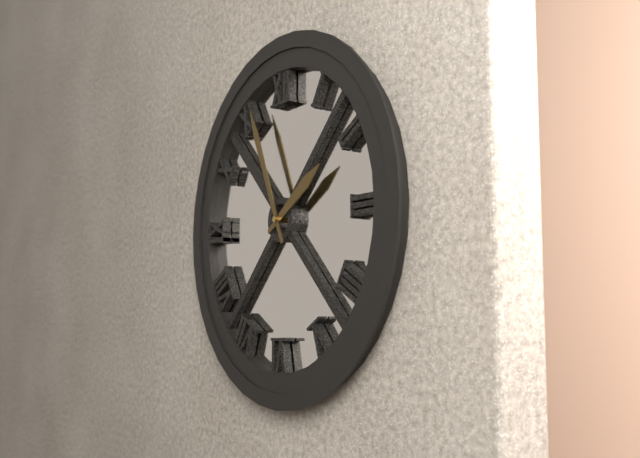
1:56
